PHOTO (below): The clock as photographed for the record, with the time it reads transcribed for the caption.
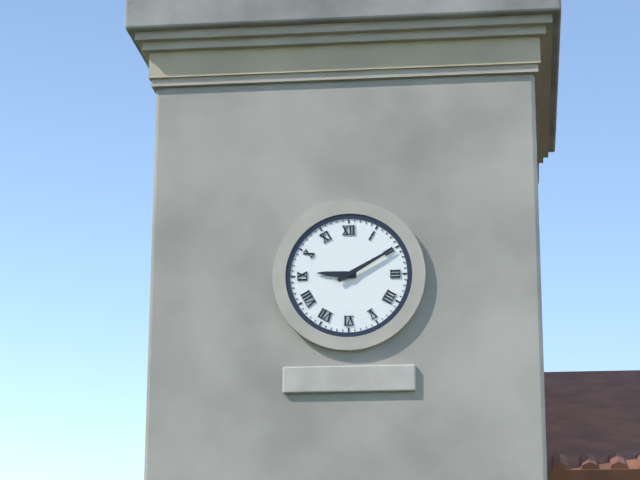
9:10
